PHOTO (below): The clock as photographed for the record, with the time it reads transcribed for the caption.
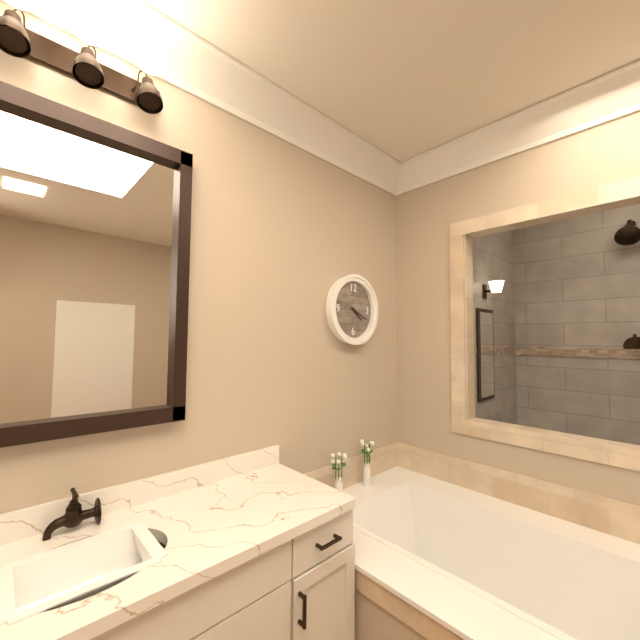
4:19
